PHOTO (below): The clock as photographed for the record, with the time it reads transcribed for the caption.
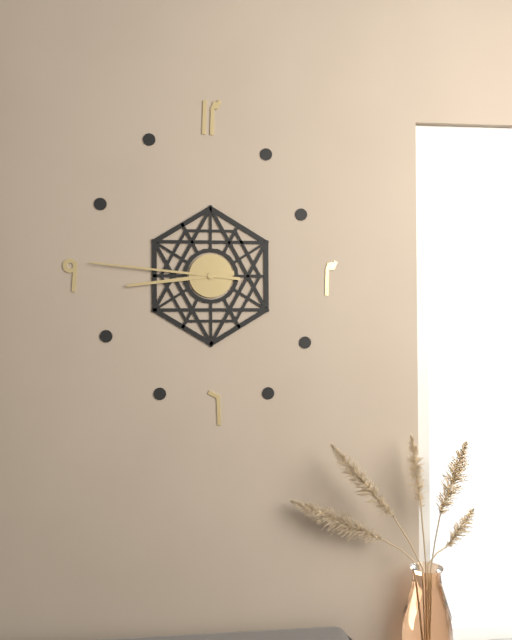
8:46
